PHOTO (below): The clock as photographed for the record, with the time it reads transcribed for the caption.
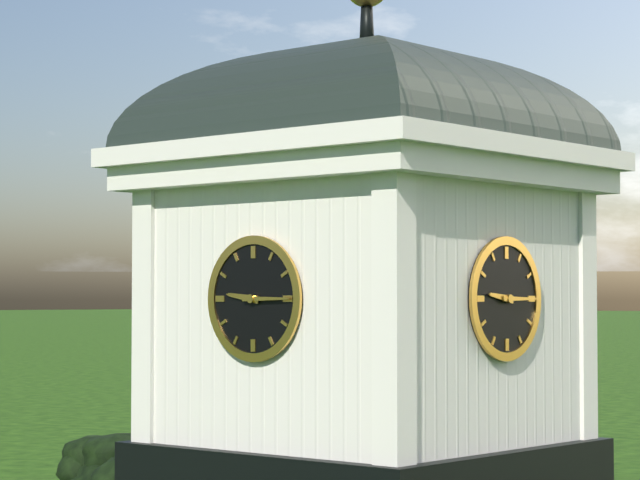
9:15
